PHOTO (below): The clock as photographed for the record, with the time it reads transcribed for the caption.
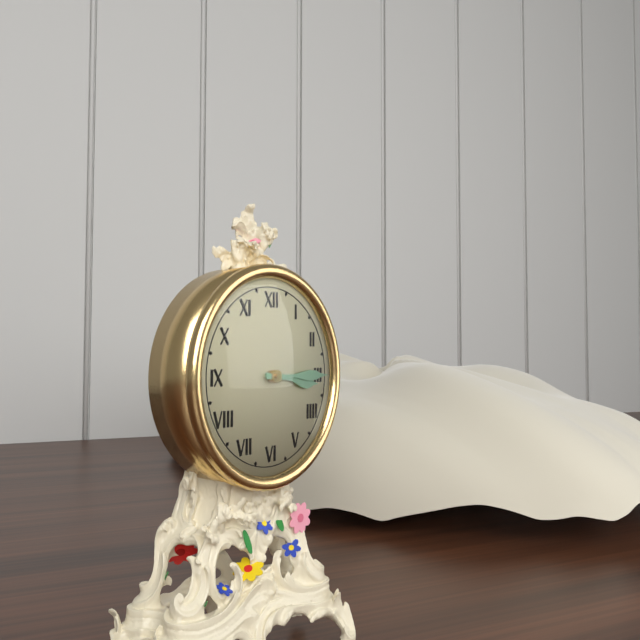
3:15
